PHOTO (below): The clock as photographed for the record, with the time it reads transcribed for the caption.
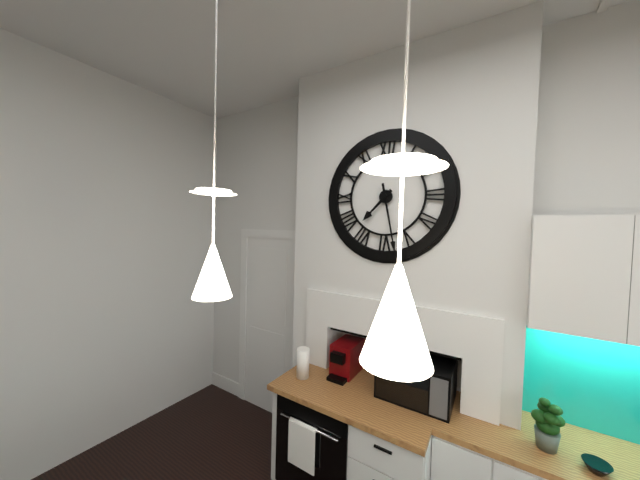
7:28
